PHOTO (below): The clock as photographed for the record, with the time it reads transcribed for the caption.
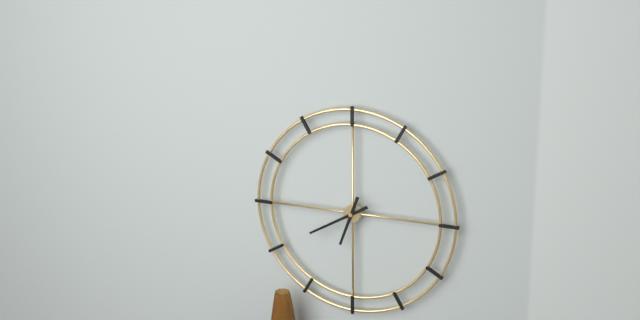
6:40
